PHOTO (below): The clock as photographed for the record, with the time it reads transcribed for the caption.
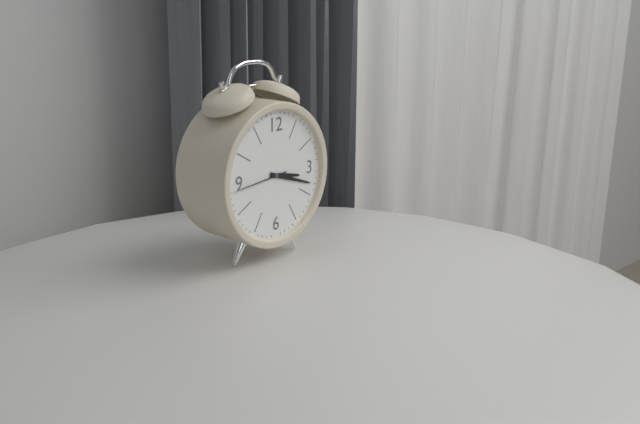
3:18:44
